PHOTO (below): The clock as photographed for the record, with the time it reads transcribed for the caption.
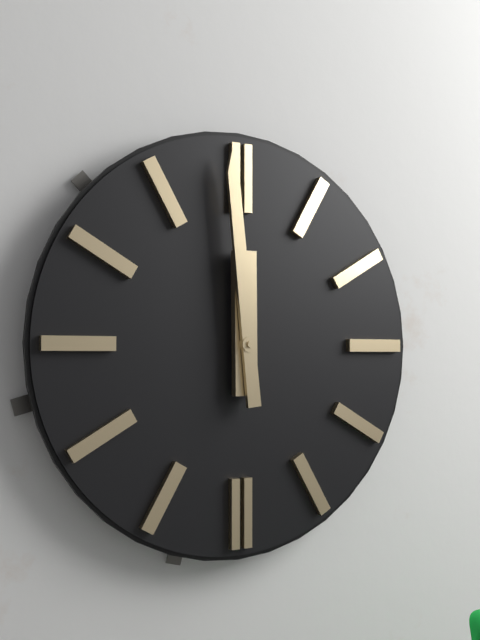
11:59
